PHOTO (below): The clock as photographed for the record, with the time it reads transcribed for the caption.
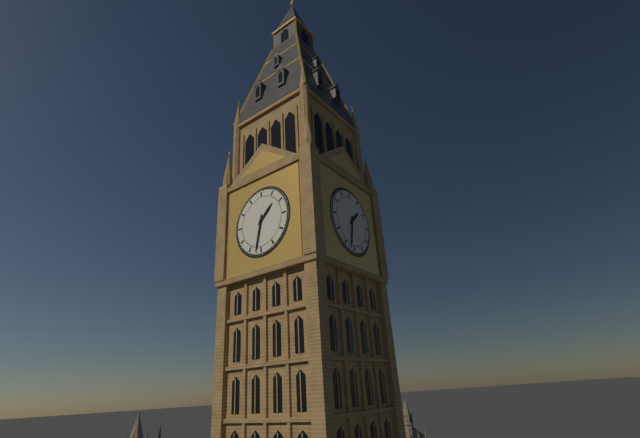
1:32
